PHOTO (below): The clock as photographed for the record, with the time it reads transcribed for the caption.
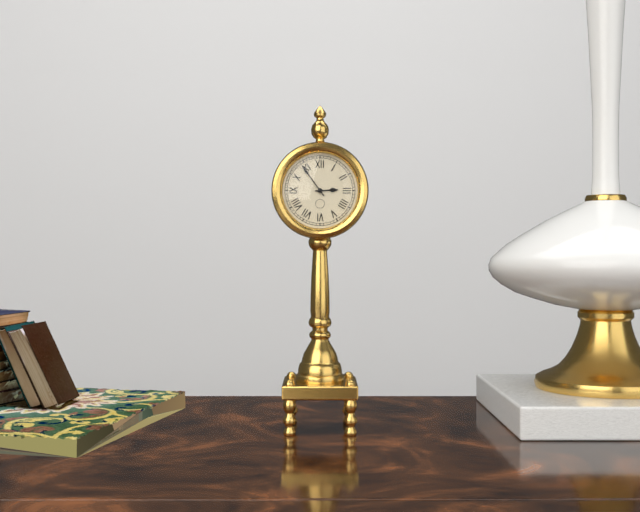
2:54
